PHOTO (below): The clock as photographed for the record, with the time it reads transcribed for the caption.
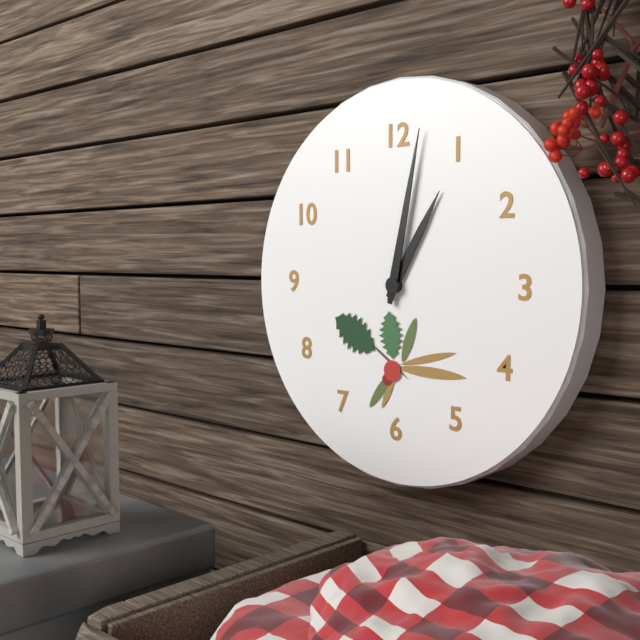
1:02
